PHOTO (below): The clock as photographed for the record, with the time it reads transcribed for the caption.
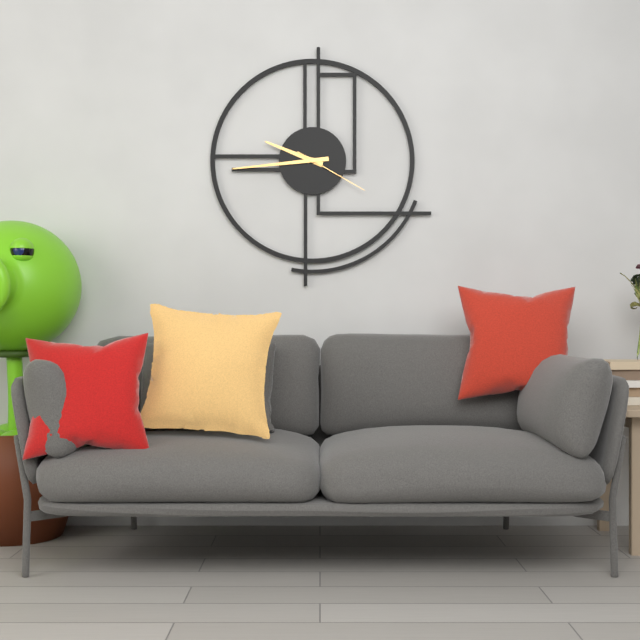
9:44:20
